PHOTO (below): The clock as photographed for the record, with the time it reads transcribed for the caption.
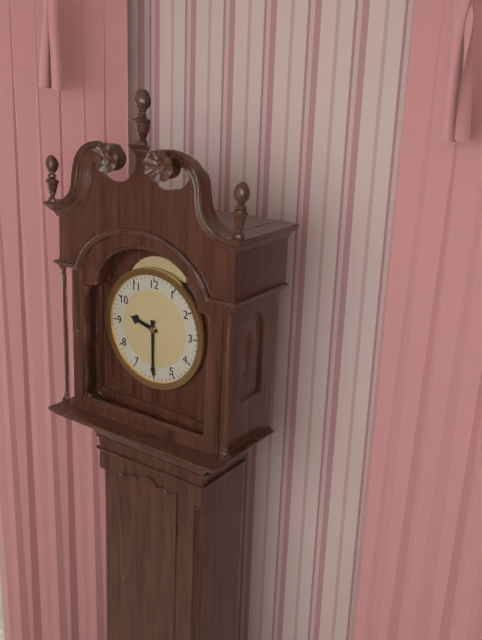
9:30
